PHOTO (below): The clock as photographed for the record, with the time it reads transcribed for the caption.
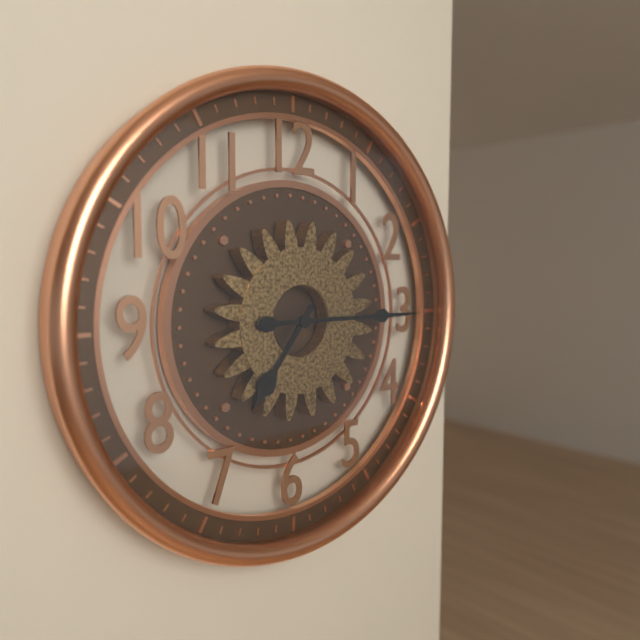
7:15
